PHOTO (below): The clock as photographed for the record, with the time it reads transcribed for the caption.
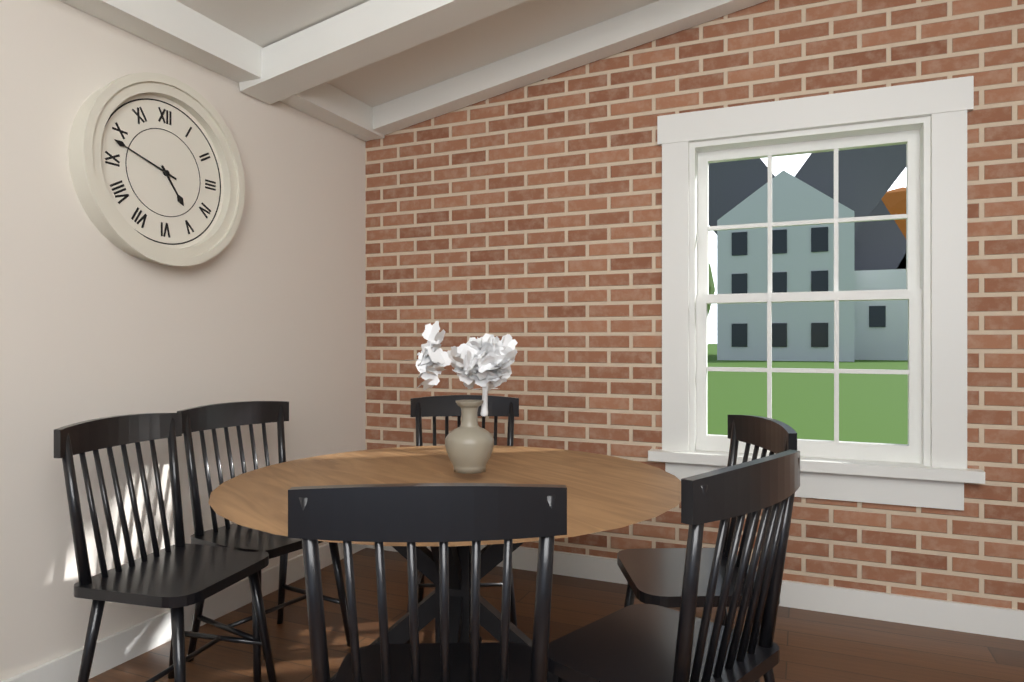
4:48
